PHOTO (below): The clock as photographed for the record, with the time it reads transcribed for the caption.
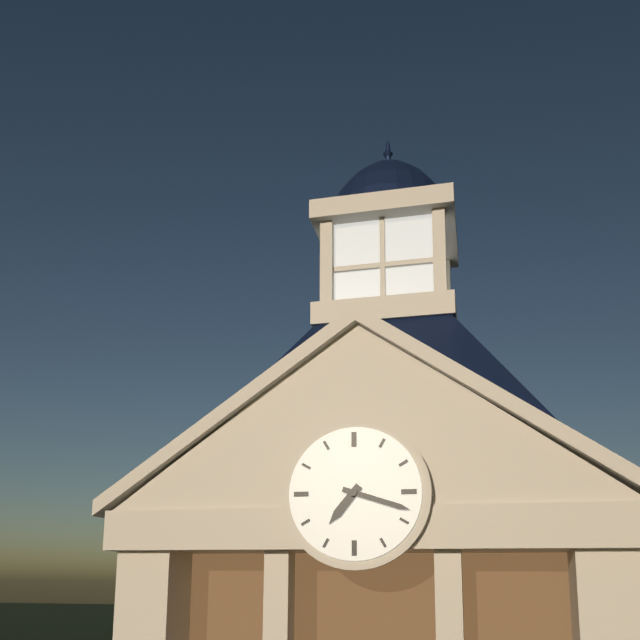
7:18
